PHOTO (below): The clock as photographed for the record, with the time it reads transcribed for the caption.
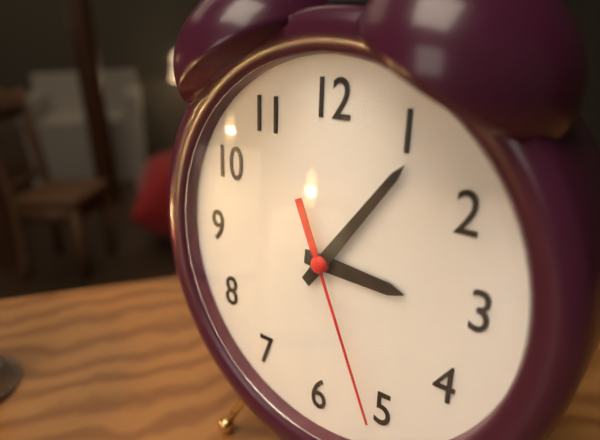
3:06:26
